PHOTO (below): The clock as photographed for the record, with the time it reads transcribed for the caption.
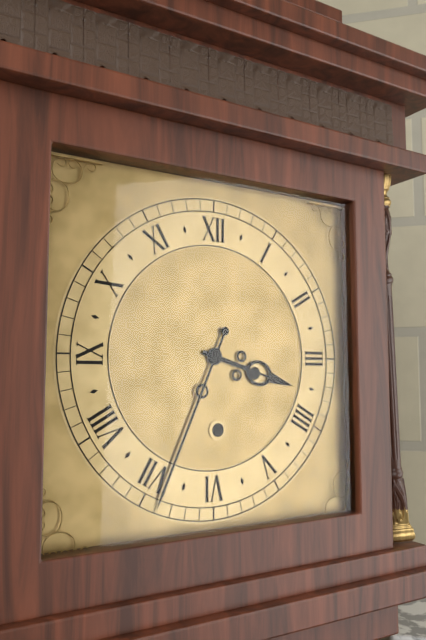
3:34
